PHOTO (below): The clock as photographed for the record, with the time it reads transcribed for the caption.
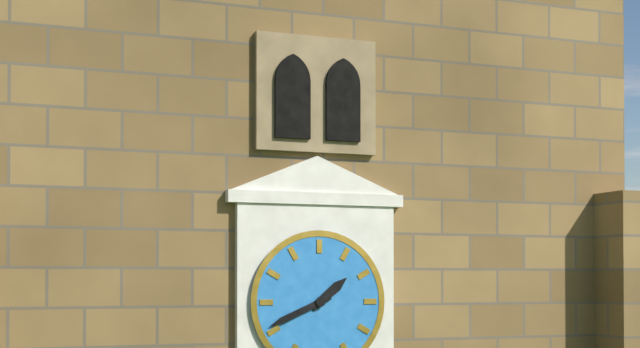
1:41
